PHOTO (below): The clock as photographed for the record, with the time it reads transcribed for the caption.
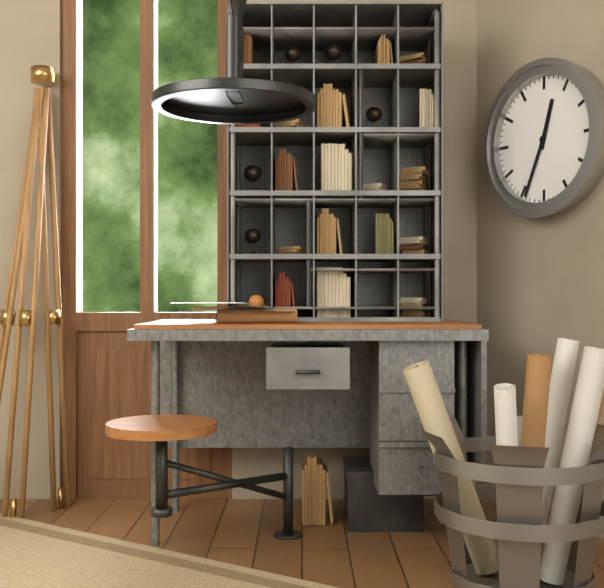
12:34
